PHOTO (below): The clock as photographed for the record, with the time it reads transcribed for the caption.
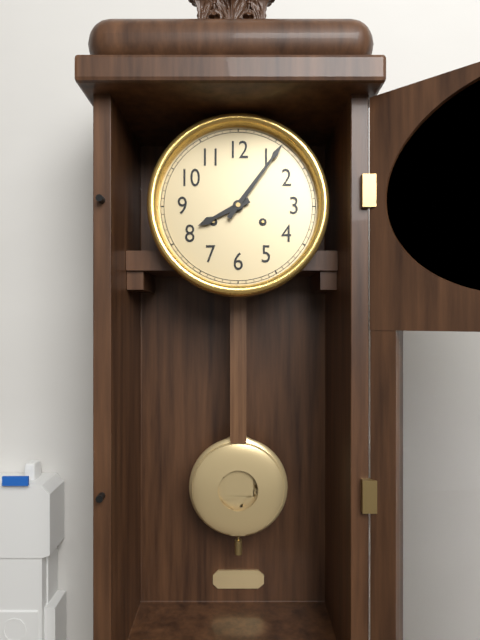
8:06
